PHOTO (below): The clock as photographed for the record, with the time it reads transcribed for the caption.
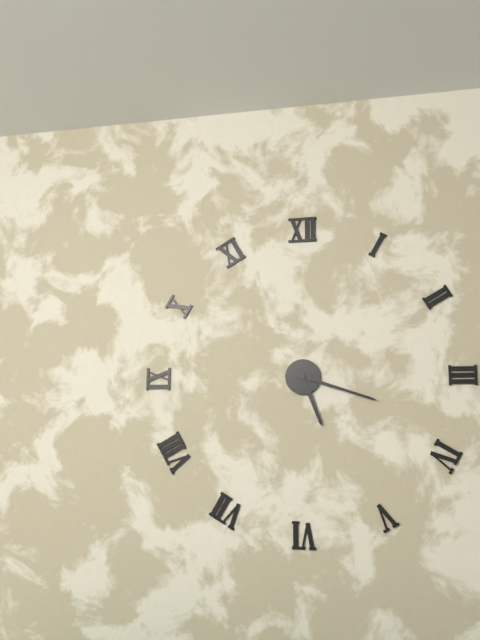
5:18
